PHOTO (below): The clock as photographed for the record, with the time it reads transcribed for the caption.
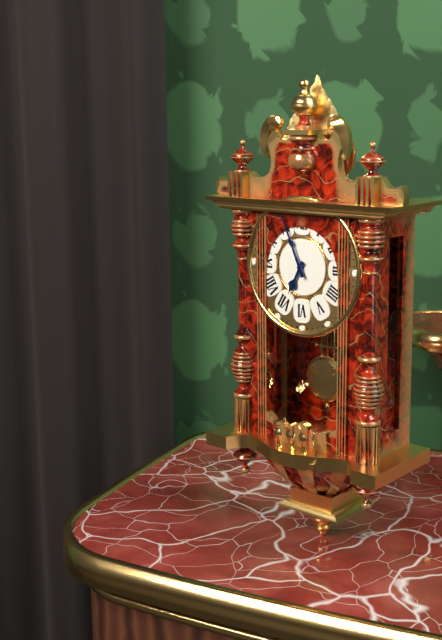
6:56
